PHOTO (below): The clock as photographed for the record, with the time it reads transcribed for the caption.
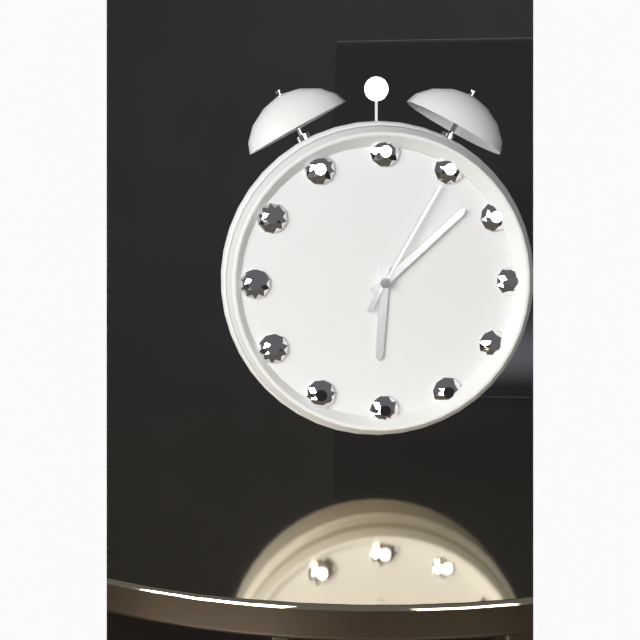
6:08:05
